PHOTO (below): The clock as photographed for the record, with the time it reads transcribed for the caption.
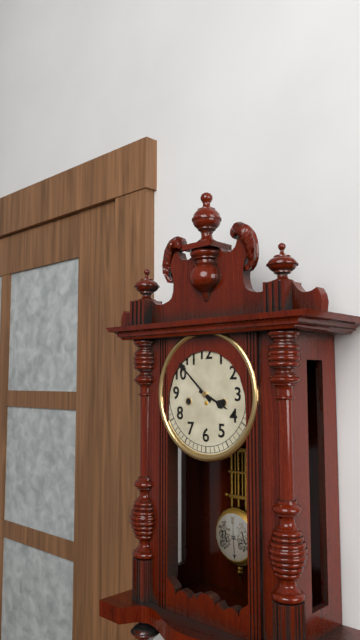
3:52
